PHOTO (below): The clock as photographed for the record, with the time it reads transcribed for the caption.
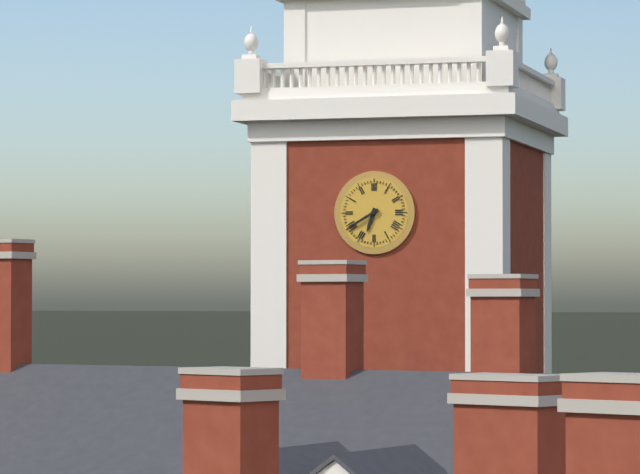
6:40
